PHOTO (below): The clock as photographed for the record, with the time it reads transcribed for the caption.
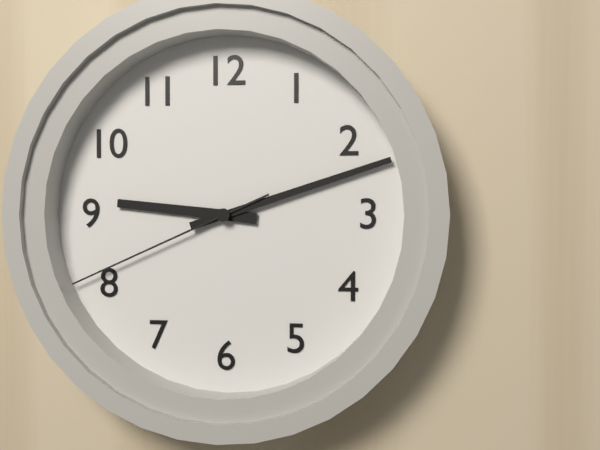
9:12:41
